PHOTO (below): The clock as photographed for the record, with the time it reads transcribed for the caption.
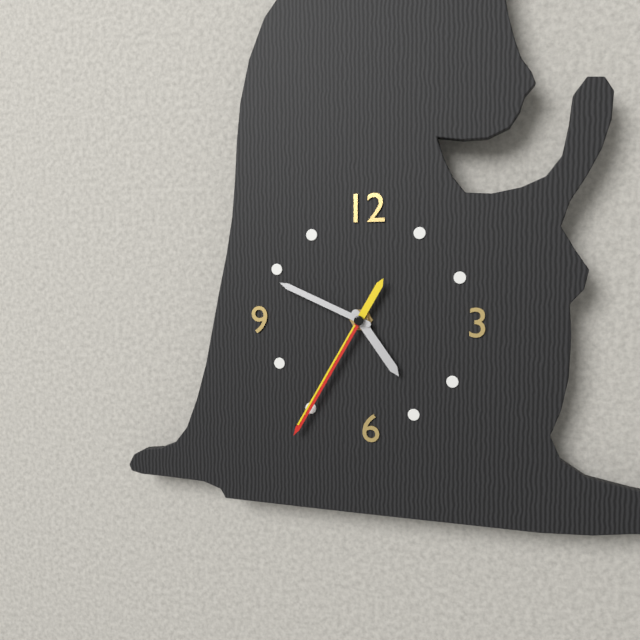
4:49:35
